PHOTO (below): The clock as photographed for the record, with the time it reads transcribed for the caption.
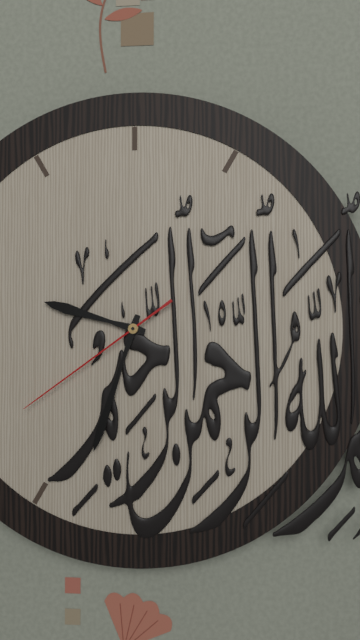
9:33:39
